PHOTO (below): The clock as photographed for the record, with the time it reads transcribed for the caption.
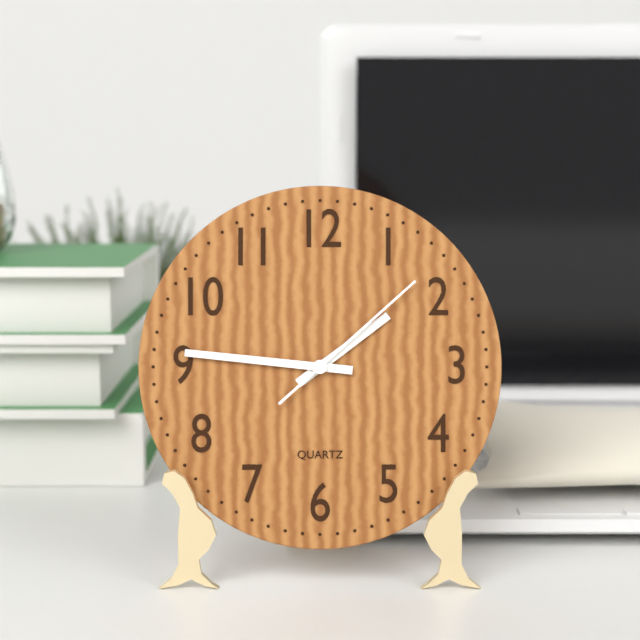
1:46:08
